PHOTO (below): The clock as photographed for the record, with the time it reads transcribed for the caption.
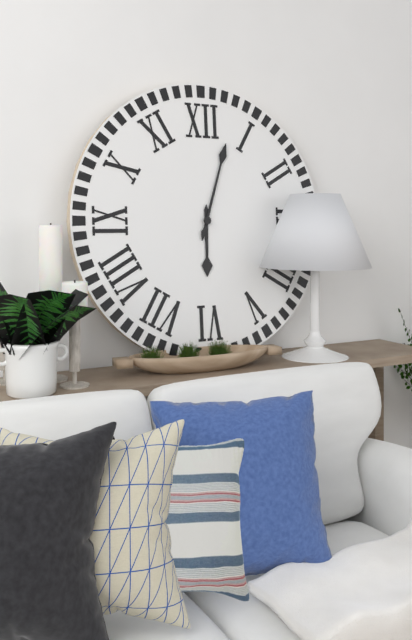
6:03
